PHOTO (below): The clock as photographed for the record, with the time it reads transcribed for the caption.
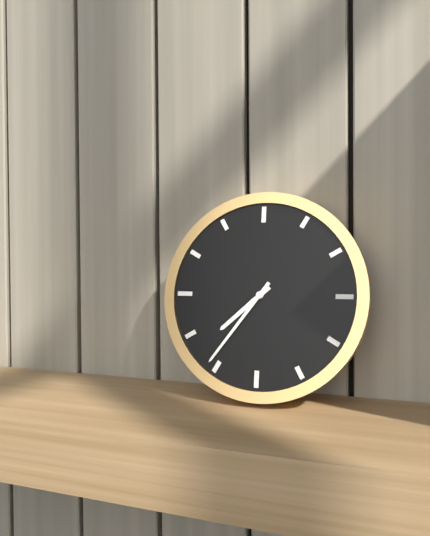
7:36
